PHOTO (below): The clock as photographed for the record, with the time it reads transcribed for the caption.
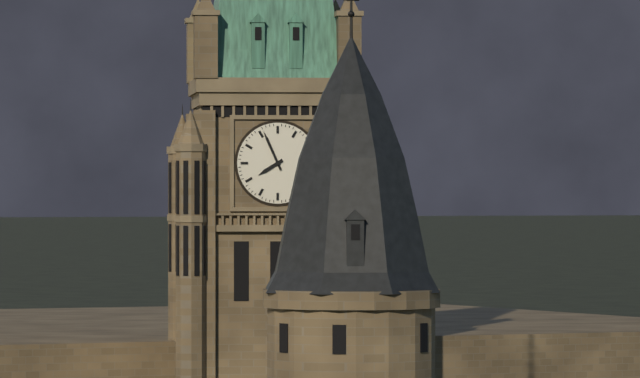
7:56
